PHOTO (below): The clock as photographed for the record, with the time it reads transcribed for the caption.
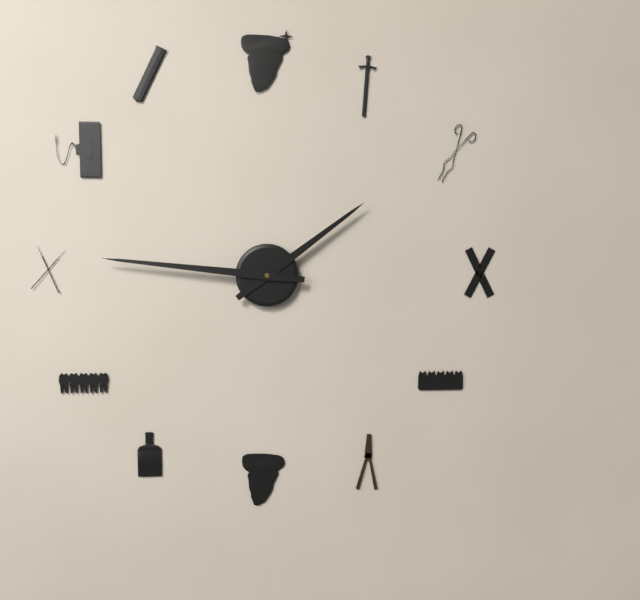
1:46
